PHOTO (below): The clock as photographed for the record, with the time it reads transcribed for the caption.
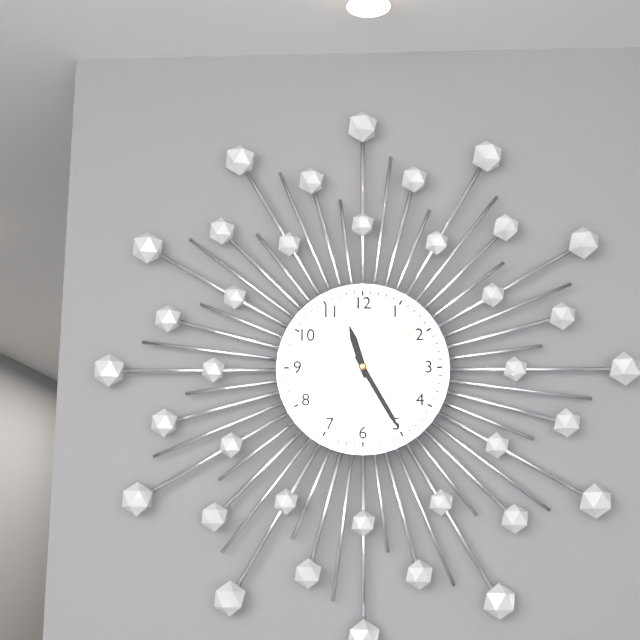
11:25:09
